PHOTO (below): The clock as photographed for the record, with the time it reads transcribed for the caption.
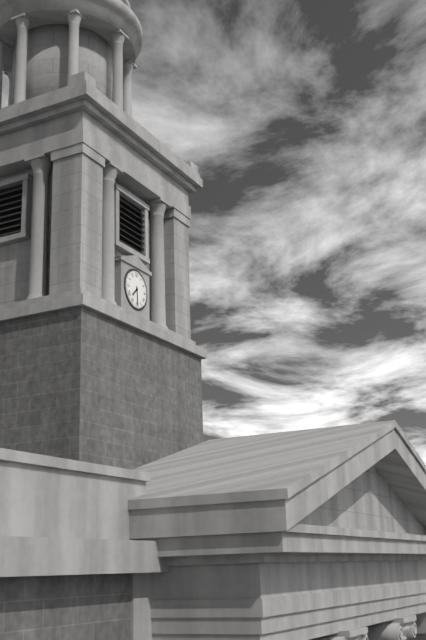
7:29
